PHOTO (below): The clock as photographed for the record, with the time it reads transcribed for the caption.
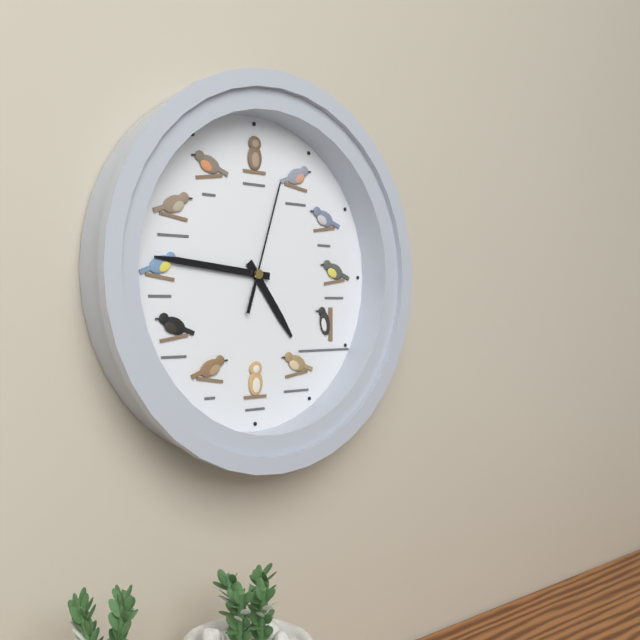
4:46:03
